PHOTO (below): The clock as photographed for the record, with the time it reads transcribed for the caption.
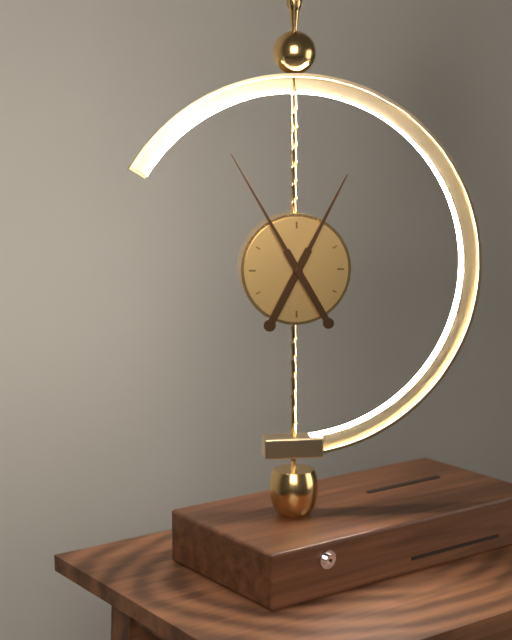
12:55
